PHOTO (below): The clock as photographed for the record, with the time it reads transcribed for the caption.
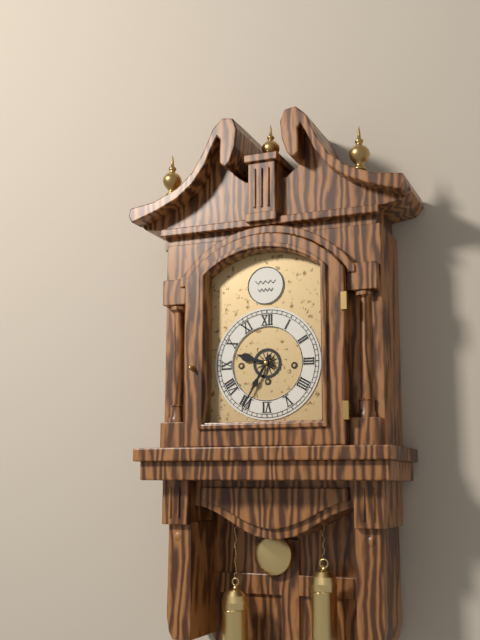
9:35
